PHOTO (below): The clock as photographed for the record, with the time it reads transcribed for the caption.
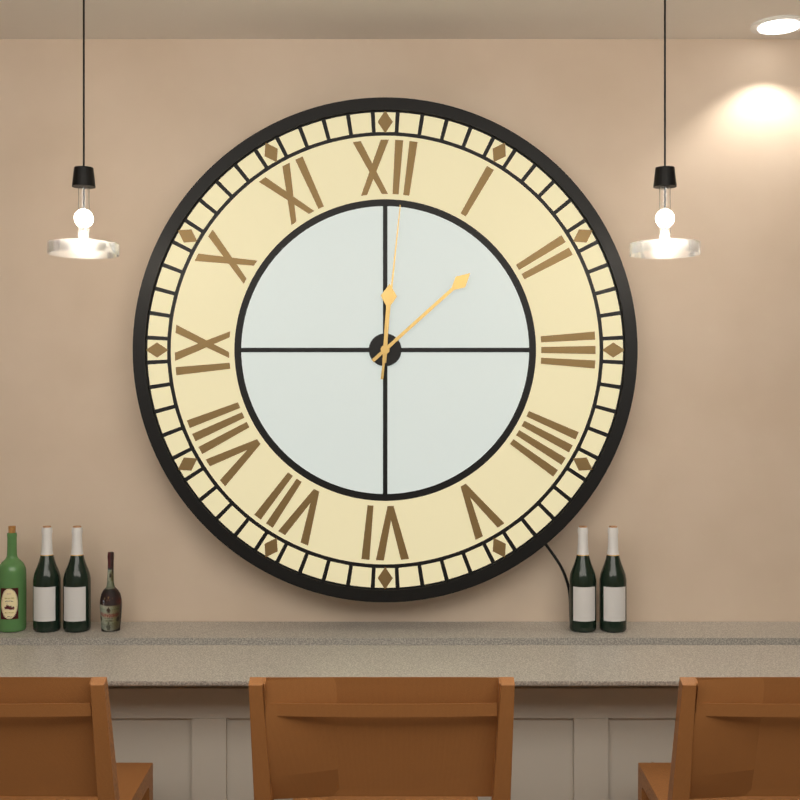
12:08:01
